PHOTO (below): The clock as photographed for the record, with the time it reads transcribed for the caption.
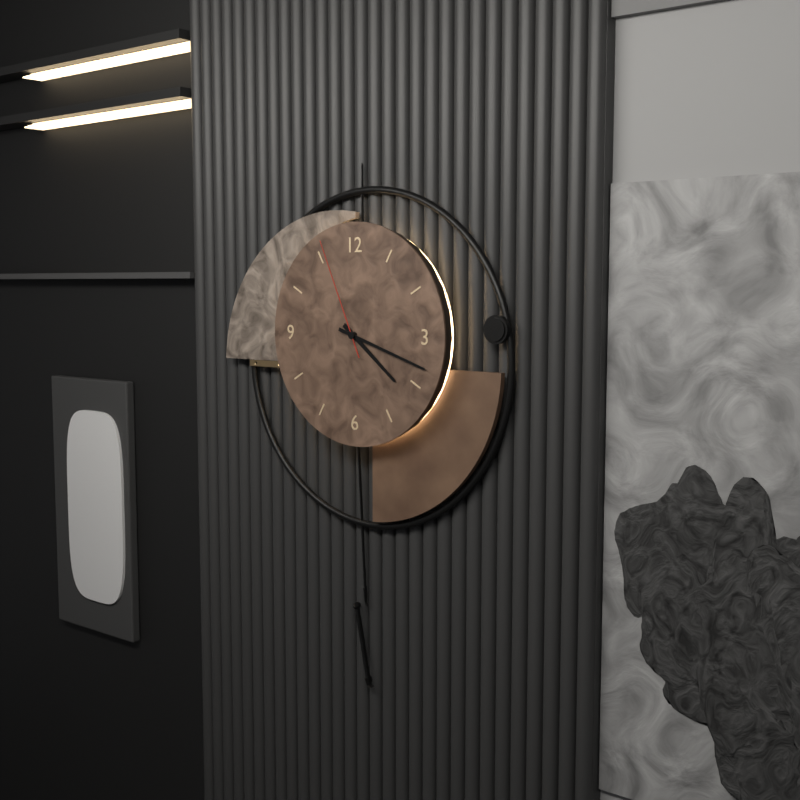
4:18:56
